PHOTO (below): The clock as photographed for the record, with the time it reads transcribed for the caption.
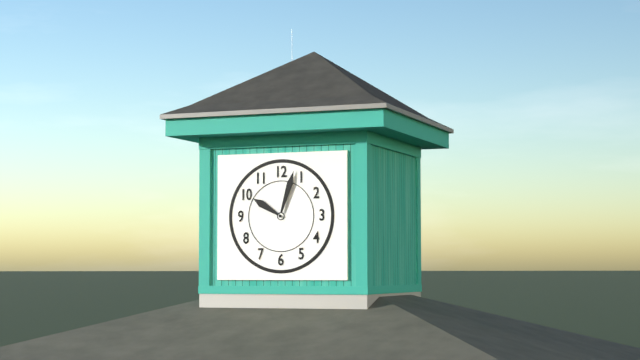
10:03
